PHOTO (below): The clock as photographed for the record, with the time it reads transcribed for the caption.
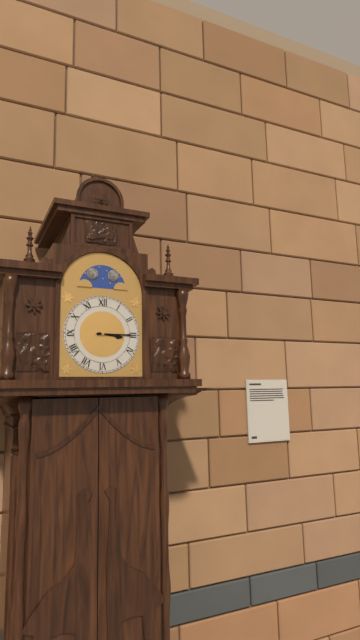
3:15
